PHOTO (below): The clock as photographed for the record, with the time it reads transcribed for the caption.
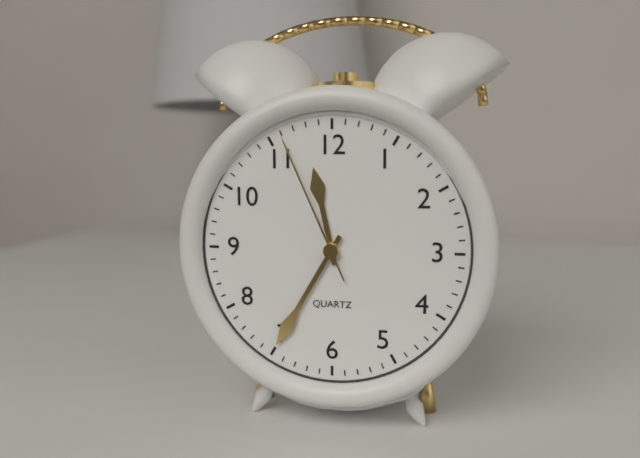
11:35:56
